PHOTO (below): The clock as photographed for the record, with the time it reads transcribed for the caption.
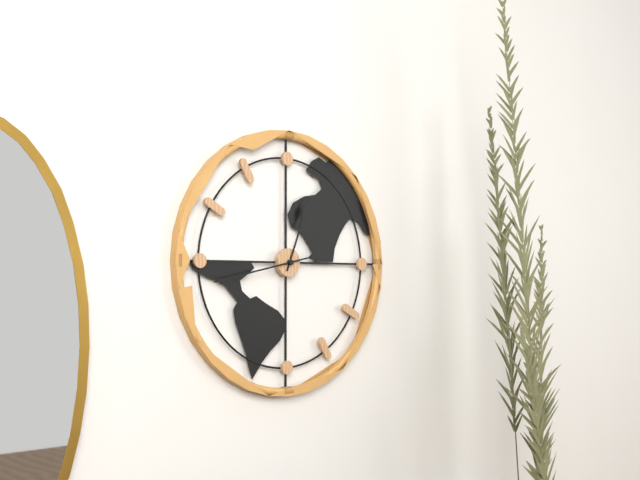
12:43
